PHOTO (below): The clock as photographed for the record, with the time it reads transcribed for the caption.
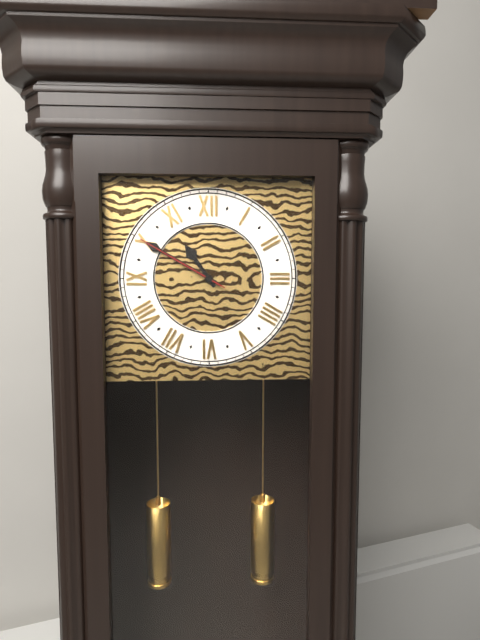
10:50:50
